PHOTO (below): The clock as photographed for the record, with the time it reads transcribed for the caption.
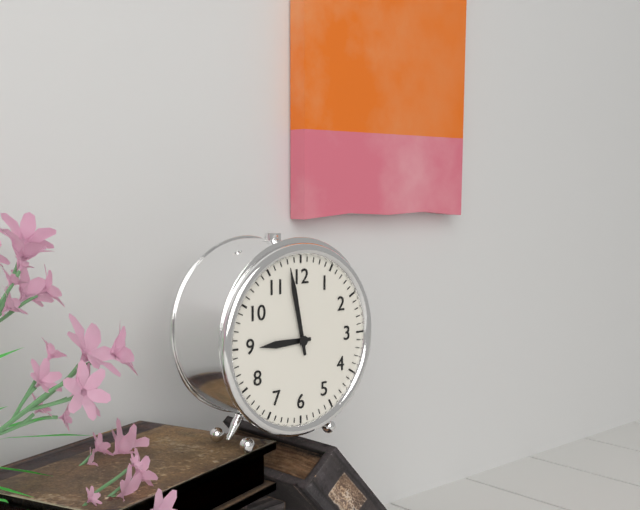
8:58
